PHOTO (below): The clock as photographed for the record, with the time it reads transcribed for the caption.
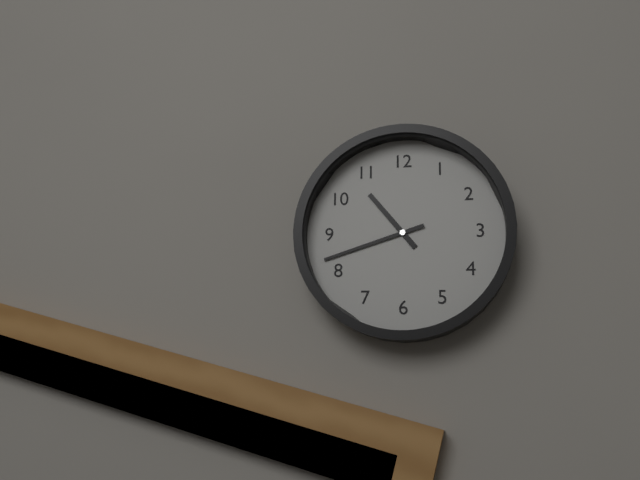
10:42
